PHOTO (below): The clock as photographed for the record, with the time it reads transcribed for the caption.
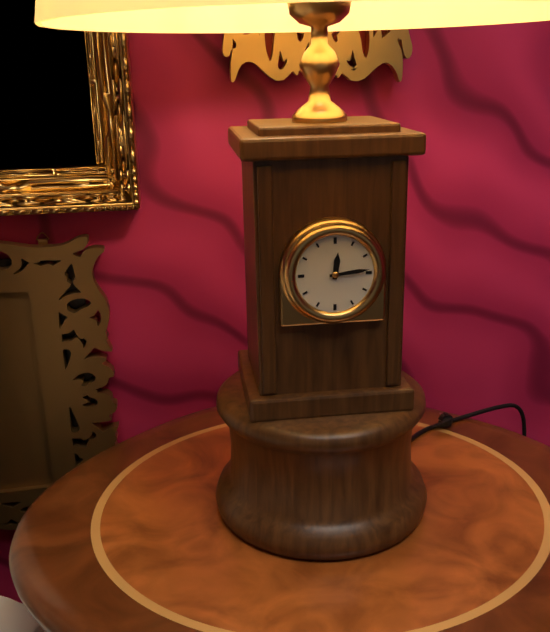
12:14
